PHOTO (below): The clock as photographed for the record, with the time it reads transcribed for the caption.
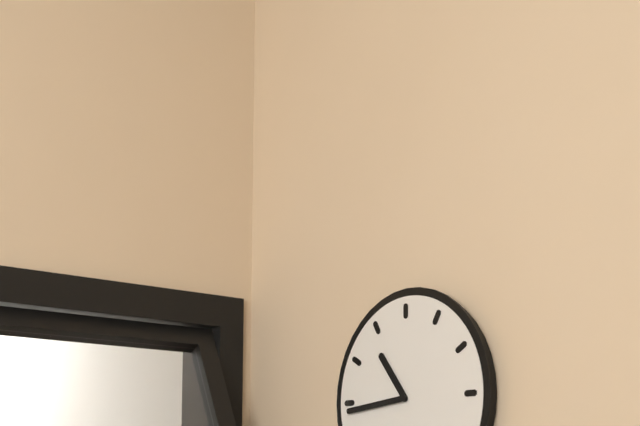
10:44
